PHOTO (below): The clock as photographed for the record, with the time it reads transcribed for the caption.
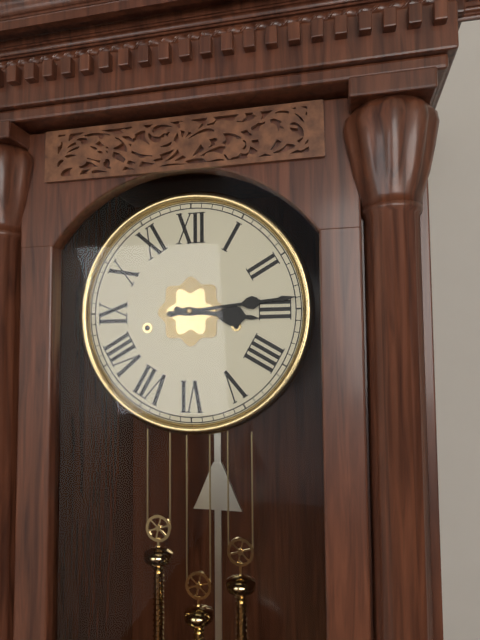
3:14
